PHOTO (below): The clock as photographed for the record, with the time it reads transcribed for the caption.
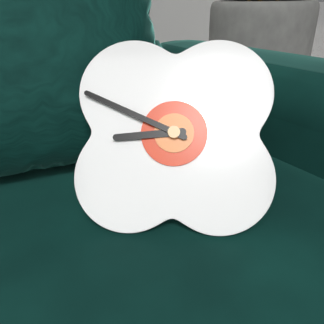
8:49
